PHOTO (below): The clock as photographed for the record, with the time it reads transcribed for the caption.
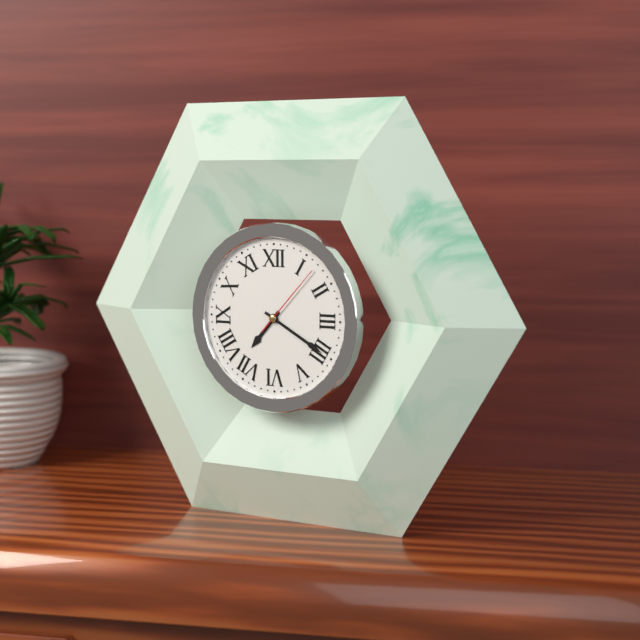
7:20:07
